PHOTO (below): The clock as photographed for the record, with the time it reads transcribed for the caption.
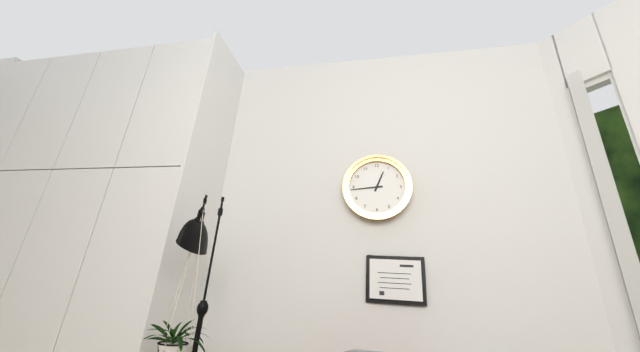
12:44
